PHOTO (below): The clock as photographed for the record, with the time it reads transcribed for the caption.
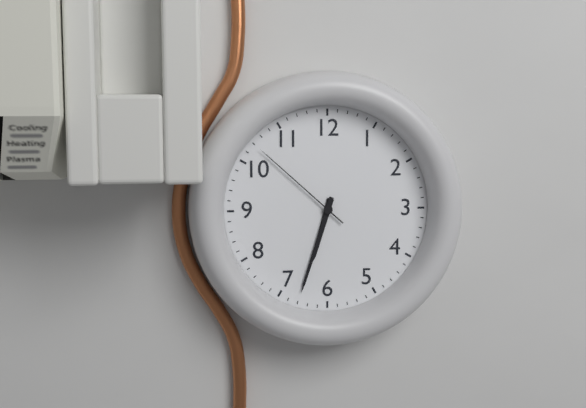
6:33:52
